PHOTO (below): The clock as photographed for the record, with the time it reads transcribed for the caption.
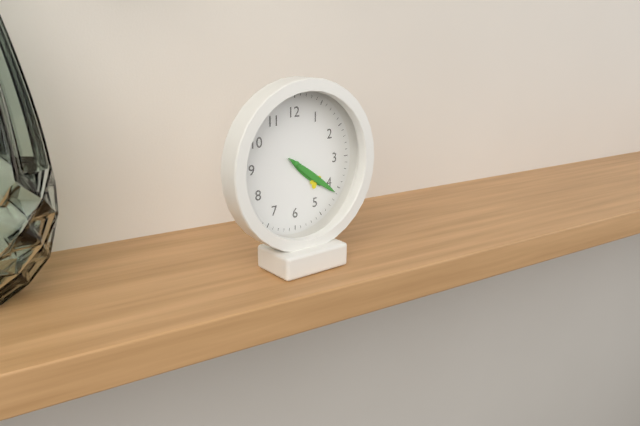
4:21
